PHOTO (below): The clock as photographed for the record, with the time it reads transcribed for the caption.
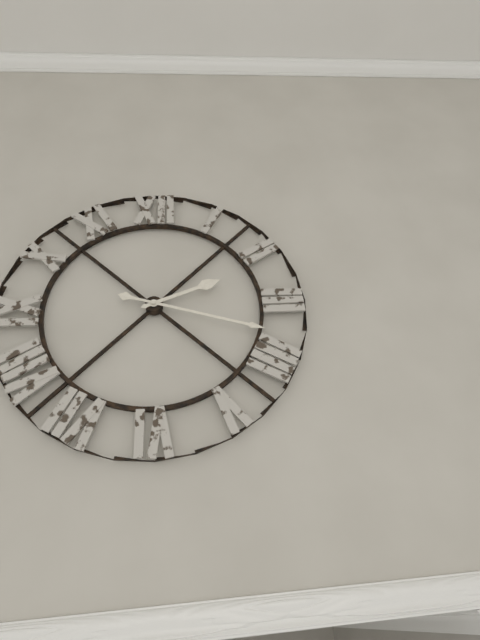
2:18
